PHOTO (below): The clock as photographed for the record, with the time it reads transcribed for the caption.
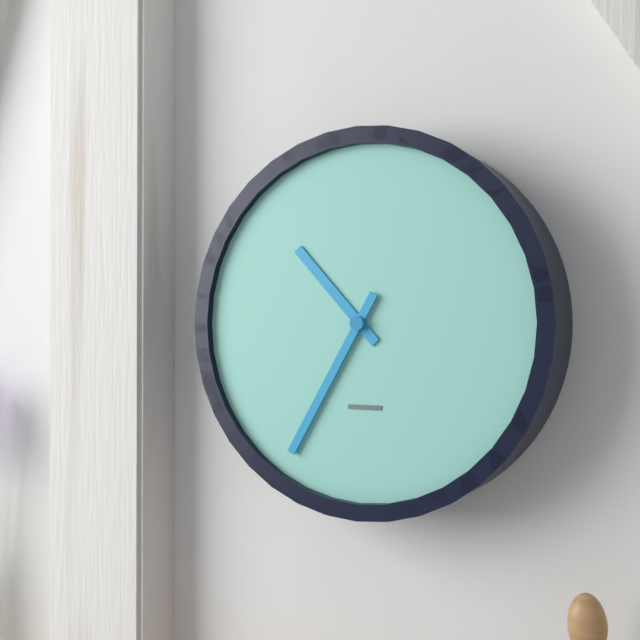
10:35
